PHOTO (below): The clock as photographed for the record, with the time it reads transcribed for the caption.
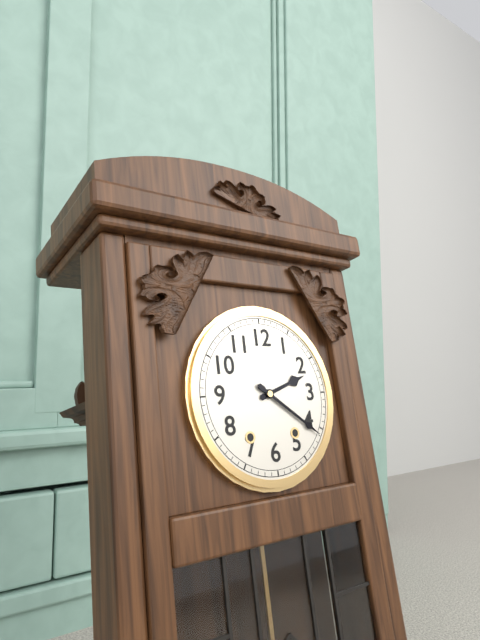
2:21
